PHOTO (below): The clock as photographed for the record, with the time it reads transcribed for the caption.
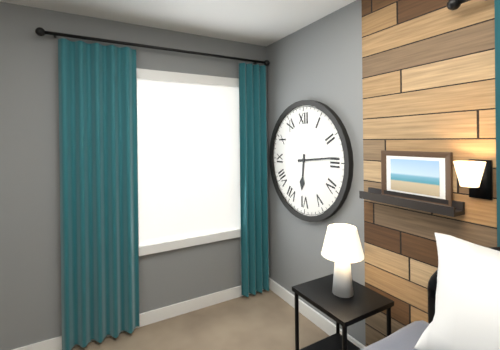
6:14
